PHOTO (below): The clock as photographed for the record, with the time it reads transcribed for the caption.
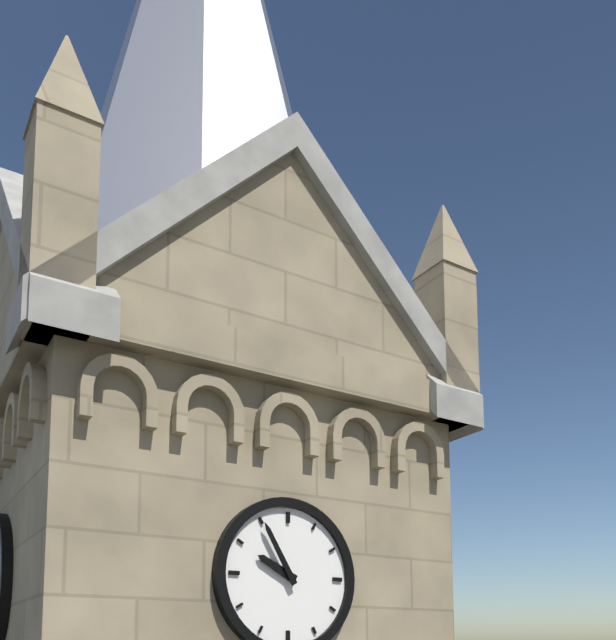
9:55
